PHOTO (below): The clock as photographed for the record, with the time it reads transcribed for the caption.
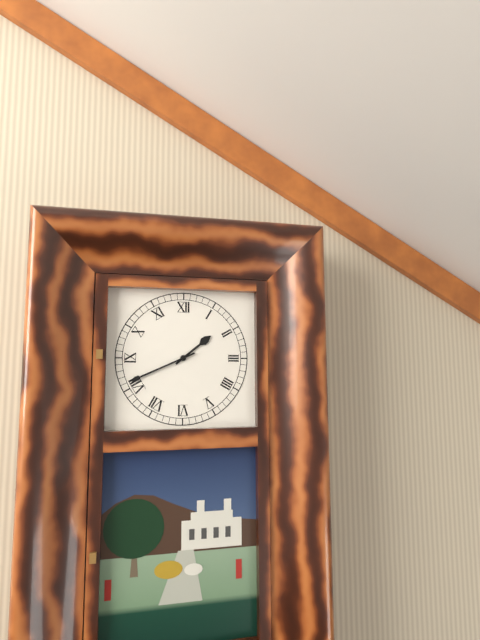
1:41
